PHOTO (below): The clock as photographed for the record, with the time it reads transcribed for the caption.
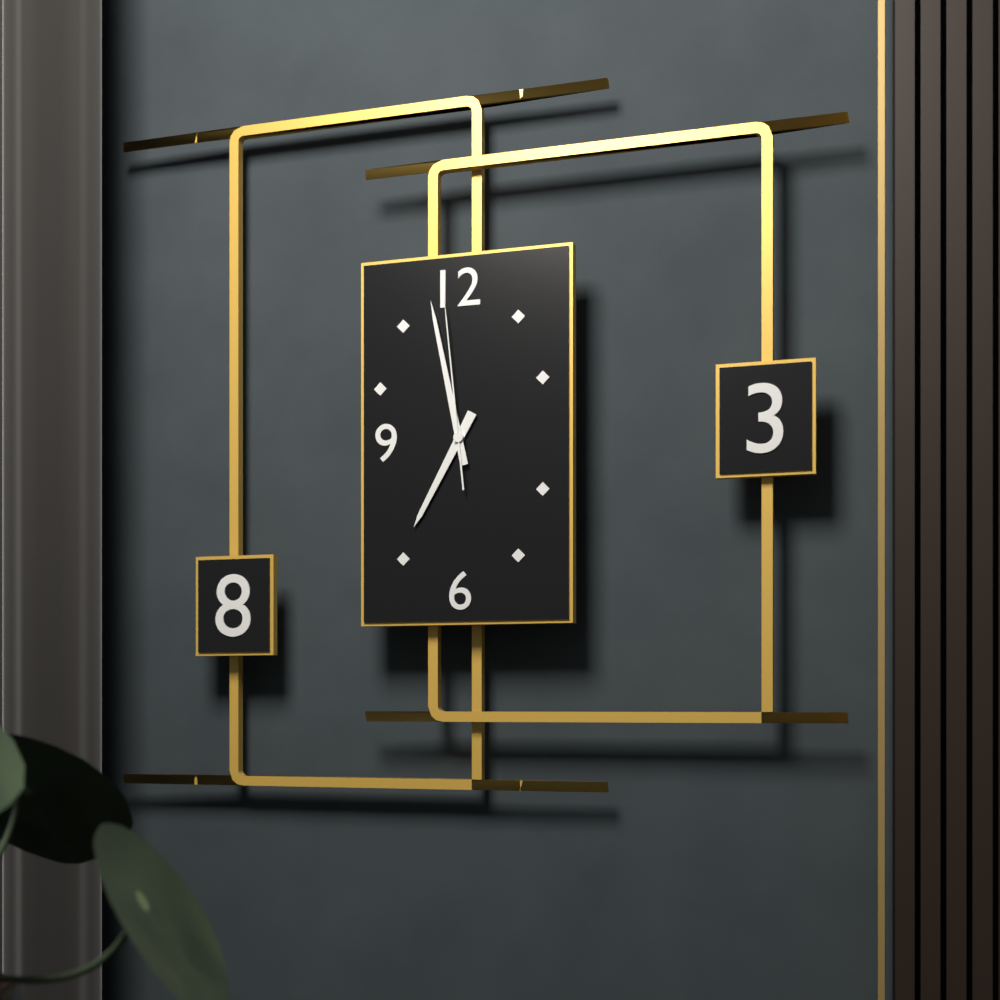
6:58:59
